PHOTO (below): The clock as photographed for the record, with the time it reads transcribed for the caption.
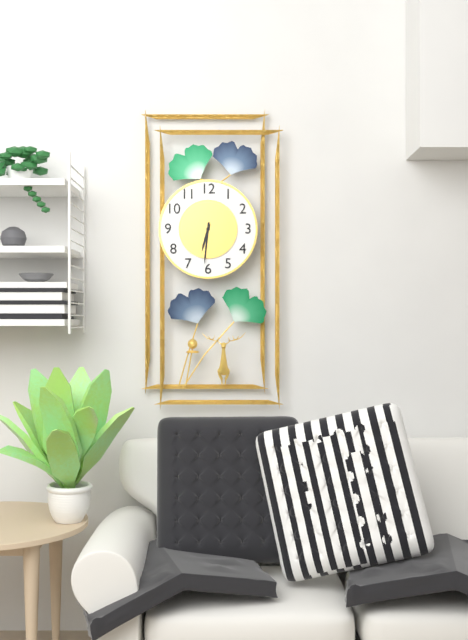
6:31
